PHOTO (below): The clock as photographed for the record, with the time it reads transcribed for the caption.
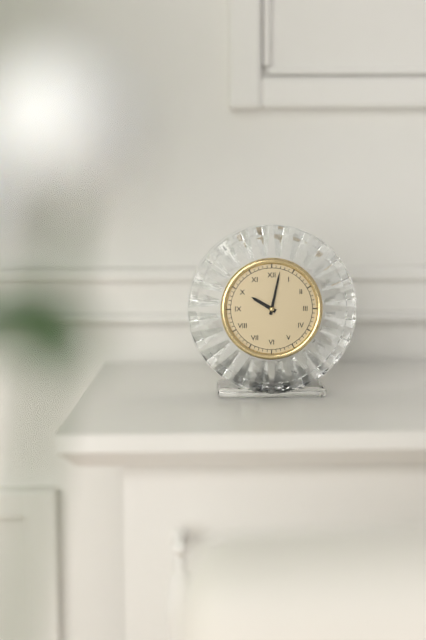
10:02
